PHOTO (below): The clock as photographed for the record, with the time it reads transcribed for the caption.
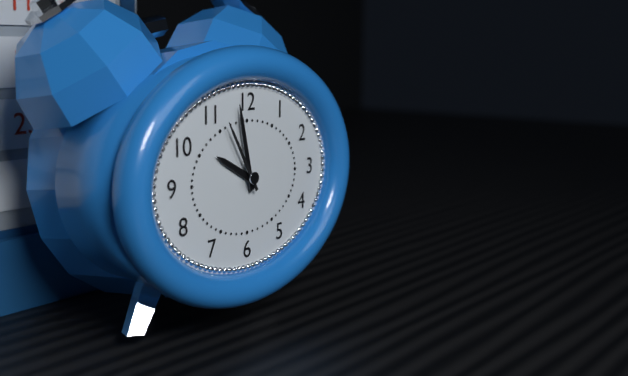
9:58:55
